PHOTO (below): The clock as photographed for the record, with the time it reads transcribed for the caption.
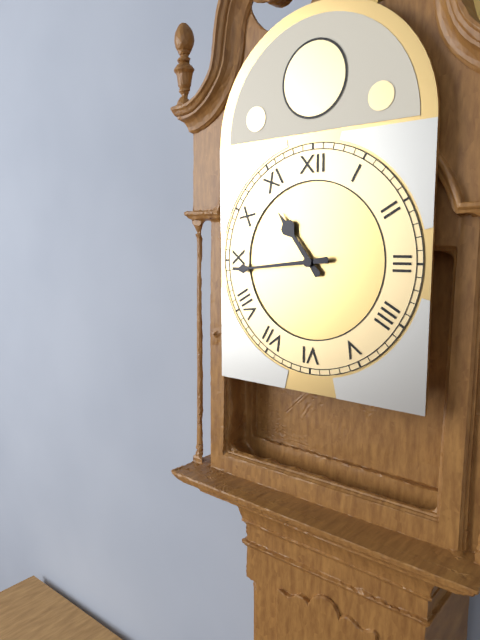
10:44
